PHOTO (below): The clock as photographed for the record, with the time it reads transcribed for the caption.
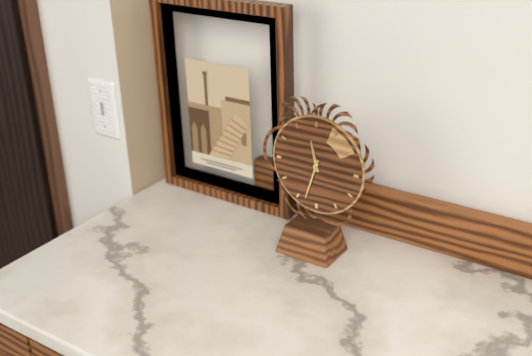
11:33
